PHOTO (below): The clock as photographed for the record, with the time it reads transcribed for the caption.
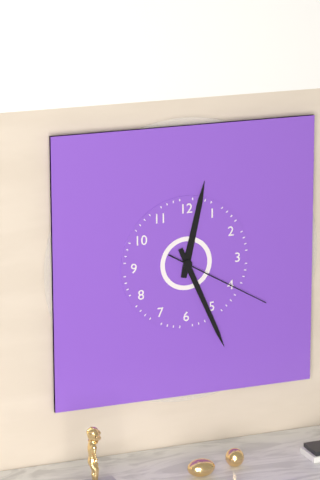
12:26:20
